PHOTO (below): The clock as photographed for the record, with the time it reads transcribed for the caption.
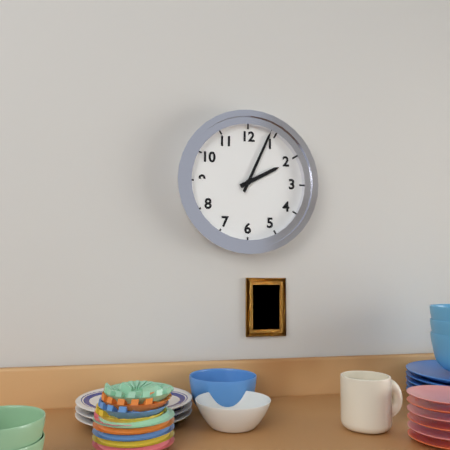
2:04
